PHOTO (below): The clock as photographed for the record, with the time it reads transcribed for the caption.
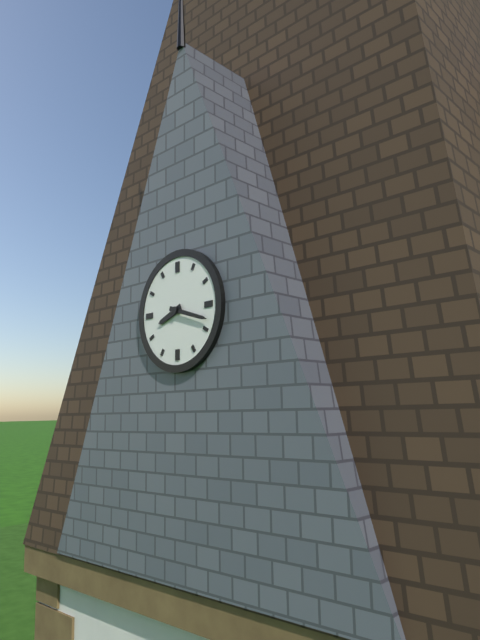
8:18
